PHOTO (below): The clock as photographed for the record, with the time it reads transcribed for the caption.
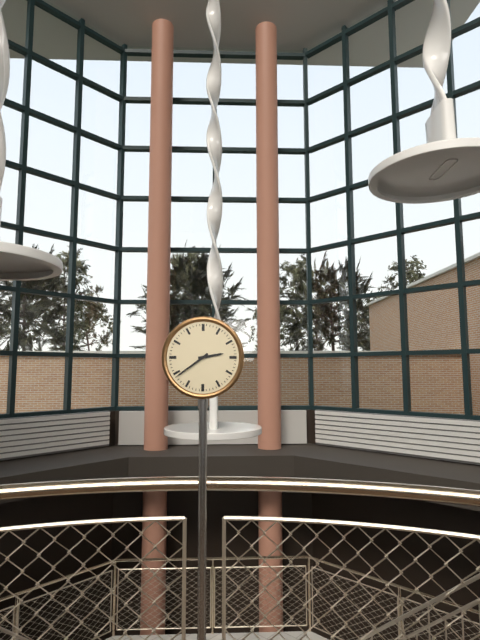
2:39
